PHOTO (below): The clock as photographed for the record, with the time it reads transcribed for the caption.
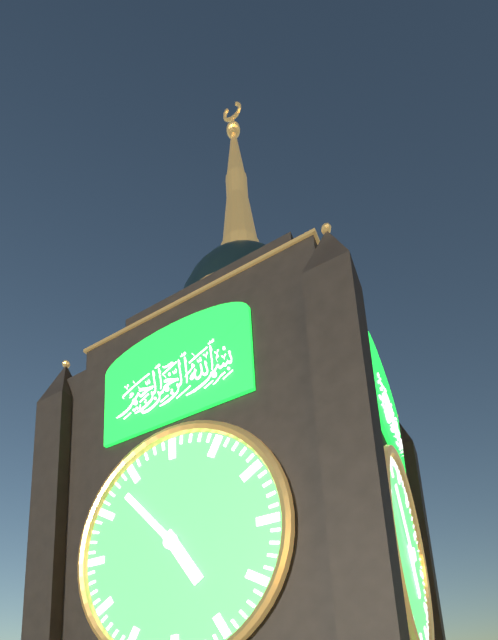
4:53
